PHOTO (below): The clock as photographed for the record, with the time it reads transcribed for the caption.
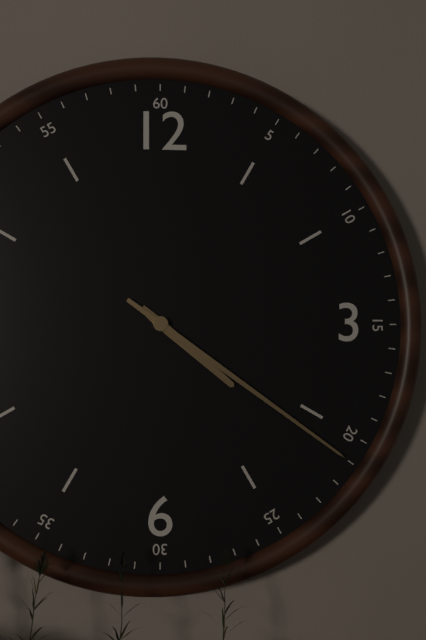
4:21
